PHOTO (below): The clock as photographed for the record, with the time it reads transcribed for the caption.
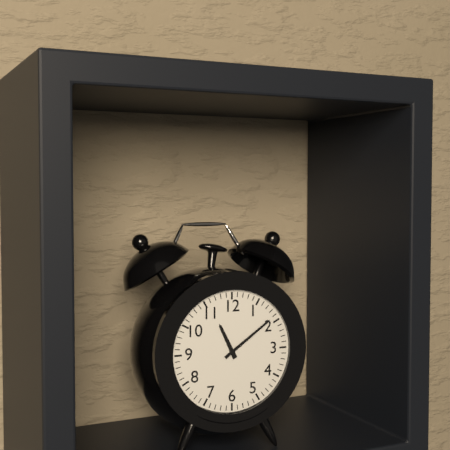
11:09
